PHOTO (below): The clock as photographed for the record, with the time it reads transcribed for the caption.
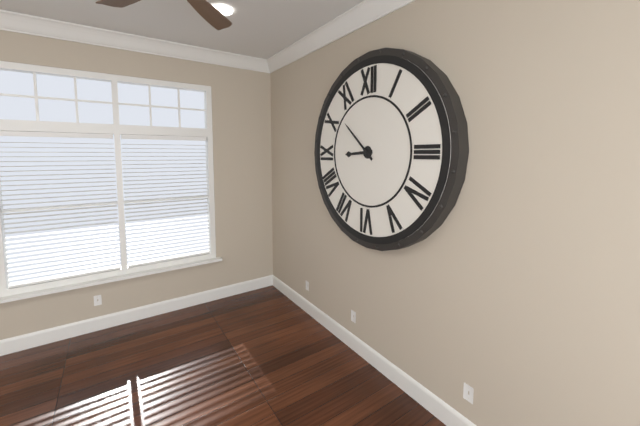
8:52
